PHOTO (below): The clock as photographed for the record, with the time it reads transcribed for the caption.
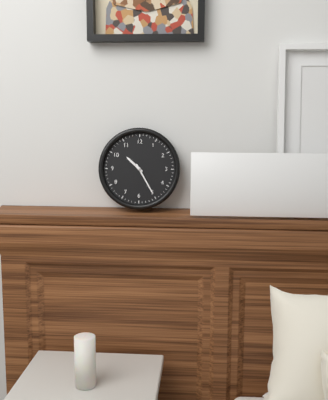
10:25
